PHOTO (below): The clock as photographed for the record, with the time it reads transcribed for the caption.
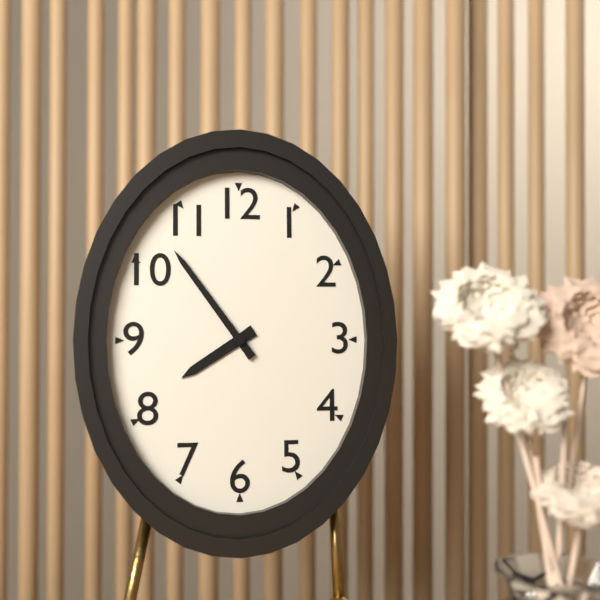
7:54
